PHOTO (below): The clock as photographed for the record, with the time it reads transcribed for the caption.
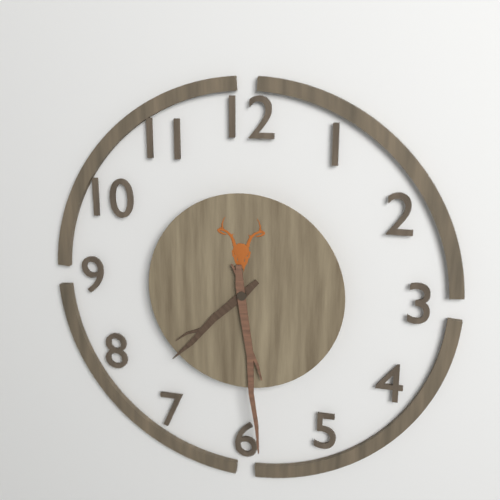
7:29
